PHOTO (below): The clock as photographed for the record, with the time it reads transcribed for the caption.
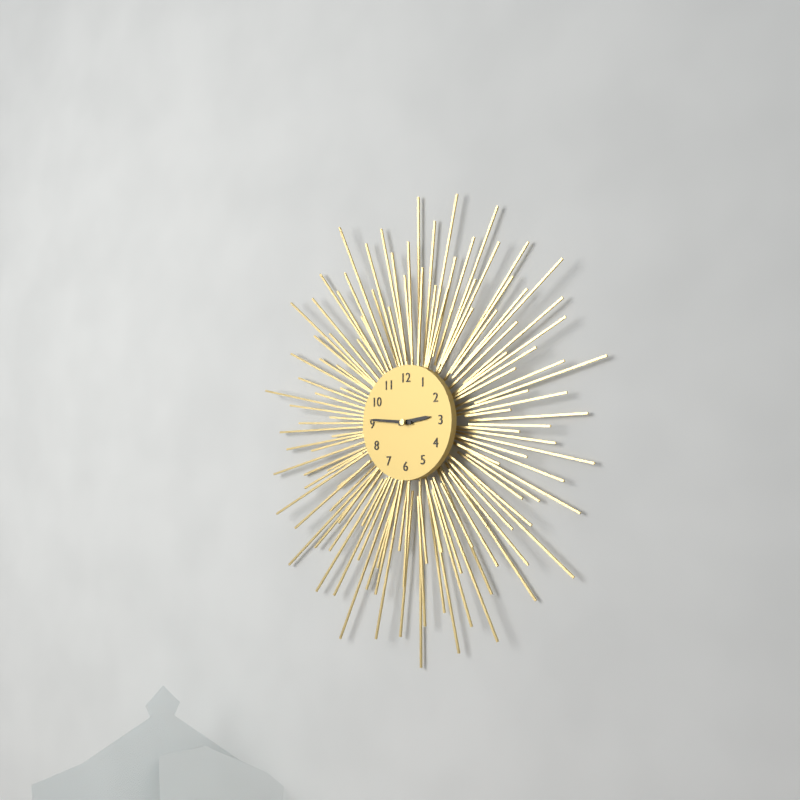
2:46
